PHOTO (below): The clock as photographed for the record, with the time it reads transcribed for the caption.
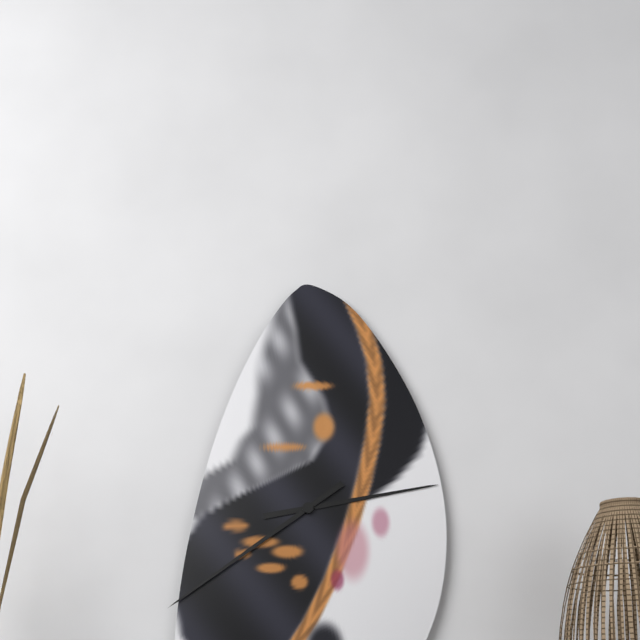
2:39
